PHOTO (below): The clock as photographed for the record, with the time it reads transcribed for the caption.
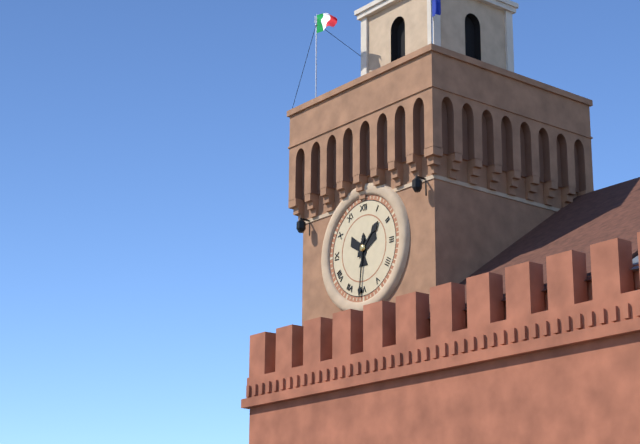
1:31
